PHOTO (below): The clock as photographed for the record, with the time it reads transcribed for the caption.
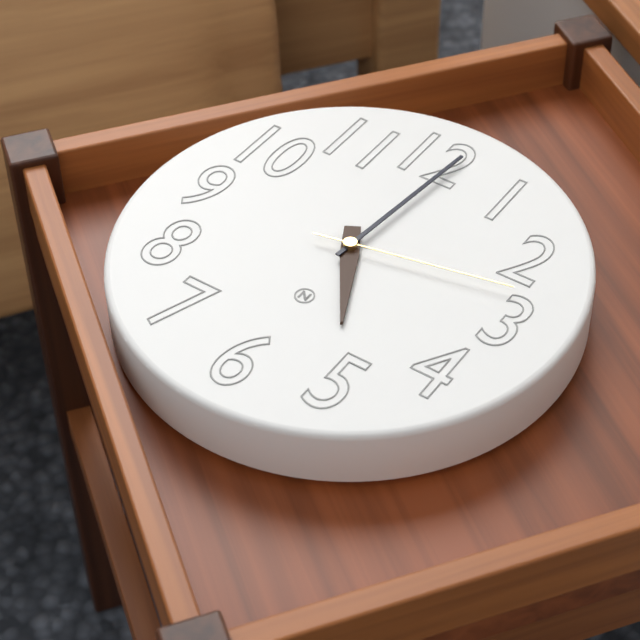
5:01:13
